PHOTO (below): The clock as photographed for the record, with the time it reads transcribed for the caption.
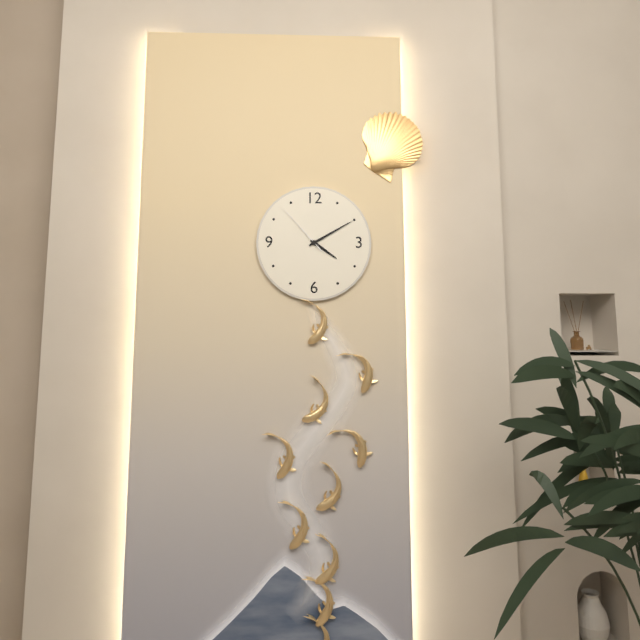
4:10:53
